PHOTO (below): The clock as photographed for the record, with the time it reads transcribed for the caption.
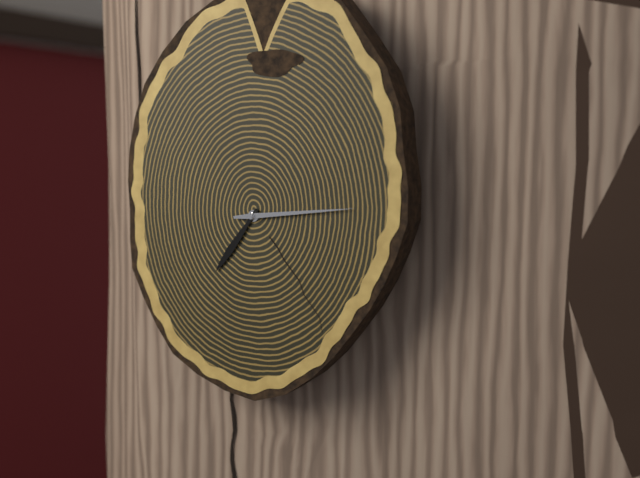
7:14
